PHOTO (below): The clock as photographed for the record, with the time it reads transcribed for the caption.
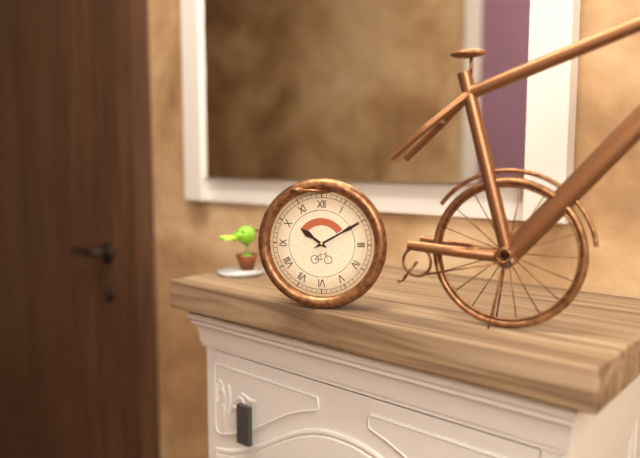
10:10
